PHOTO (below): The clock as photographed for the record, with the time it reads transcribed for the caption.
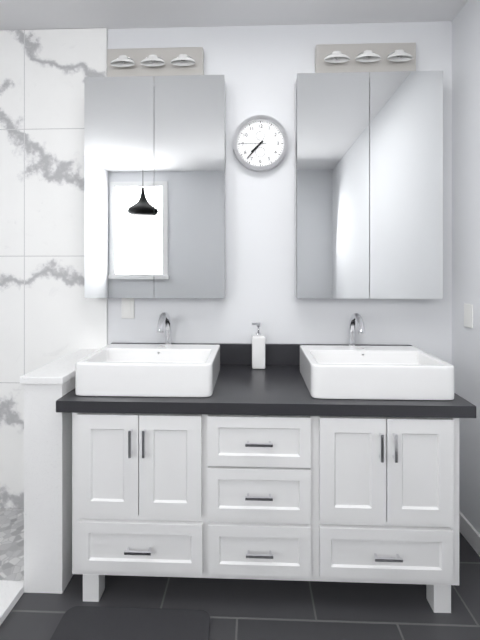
7:37
